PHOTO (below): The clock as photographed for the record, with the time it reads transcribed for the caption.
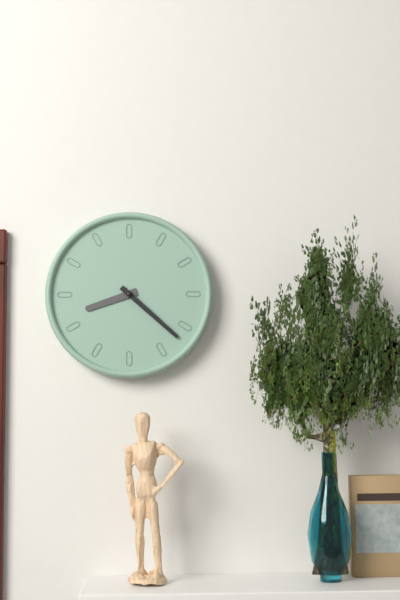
8:22
